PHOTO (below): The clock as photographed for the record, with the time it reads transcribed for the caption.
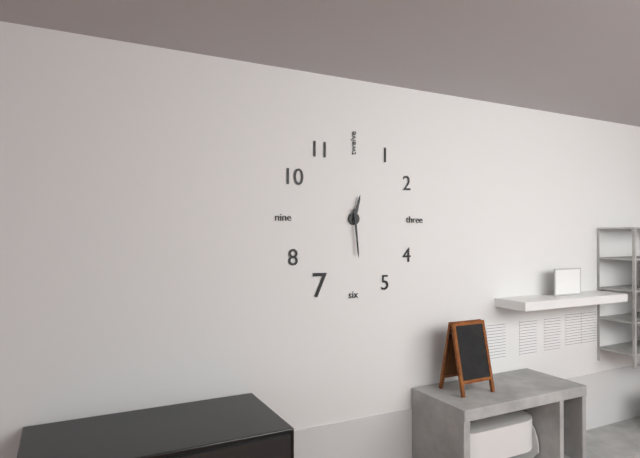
12:29
